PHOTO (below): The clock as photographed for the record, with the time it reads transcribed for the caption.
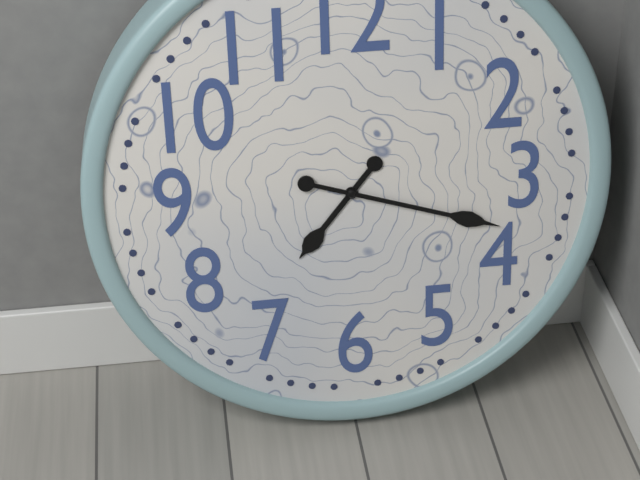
7:18
